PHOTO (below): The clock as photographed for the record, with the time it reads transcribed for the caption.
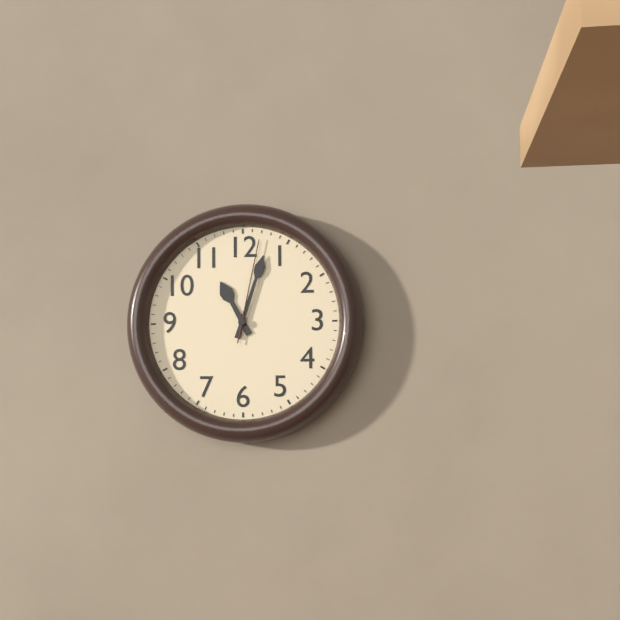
11:03:02
